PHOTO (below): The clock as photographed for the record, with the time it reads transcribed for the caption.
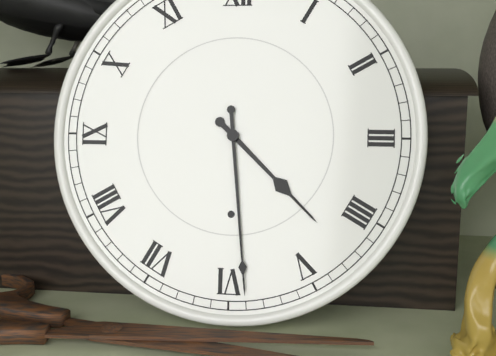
4:29
